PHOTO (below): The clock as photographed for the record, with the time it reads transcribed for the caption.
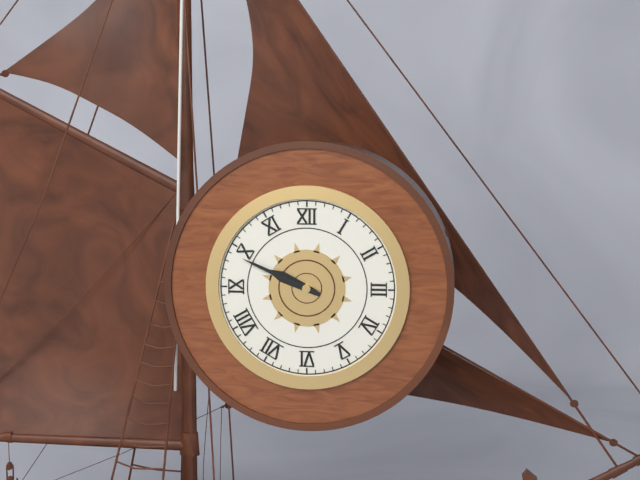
9:49
